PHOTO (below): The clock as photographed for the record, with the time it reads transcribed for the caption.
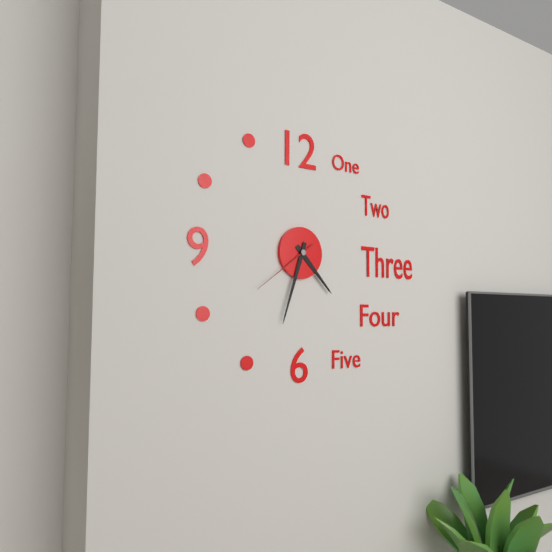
4:33:39
